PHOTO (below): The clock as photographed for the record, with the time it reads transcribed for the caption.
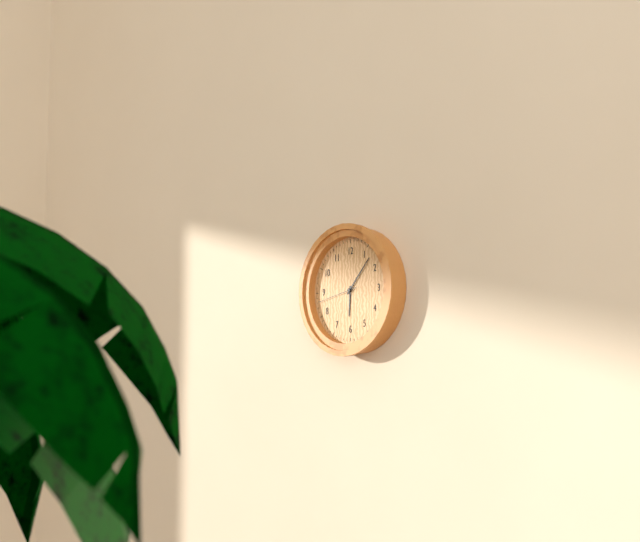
6:07
